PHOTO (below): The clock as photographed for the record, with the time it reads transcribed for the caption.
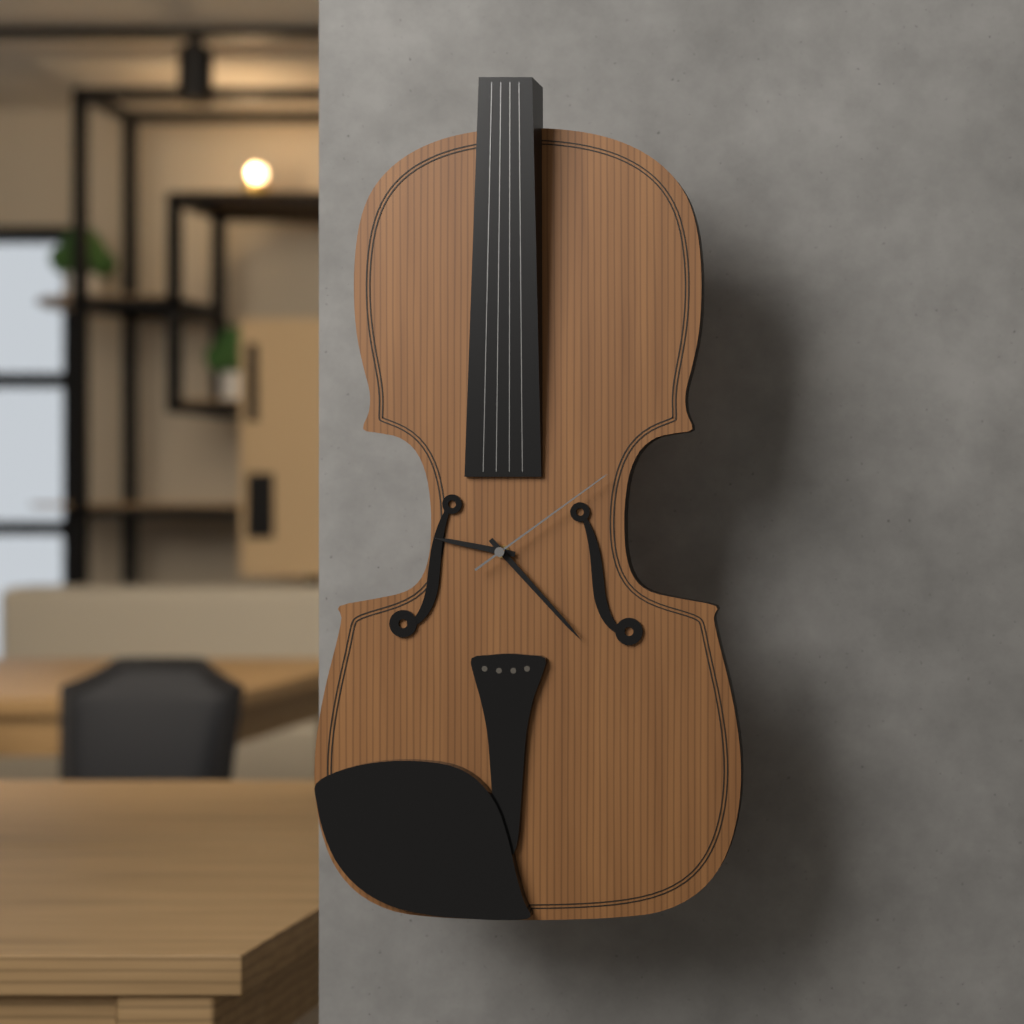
9:23:09
